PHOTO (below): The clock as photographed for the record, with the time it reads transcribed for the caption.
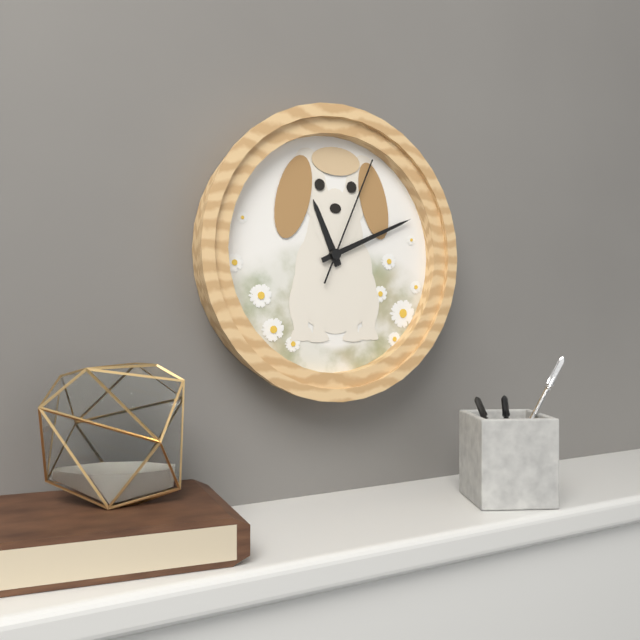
11:11:04
